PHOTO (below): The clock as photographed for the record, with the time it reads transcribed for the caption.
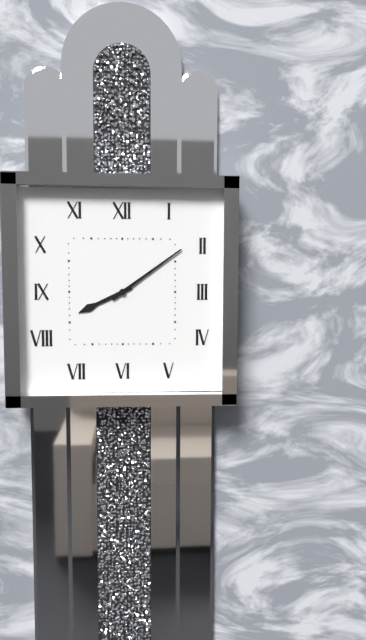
8:09
